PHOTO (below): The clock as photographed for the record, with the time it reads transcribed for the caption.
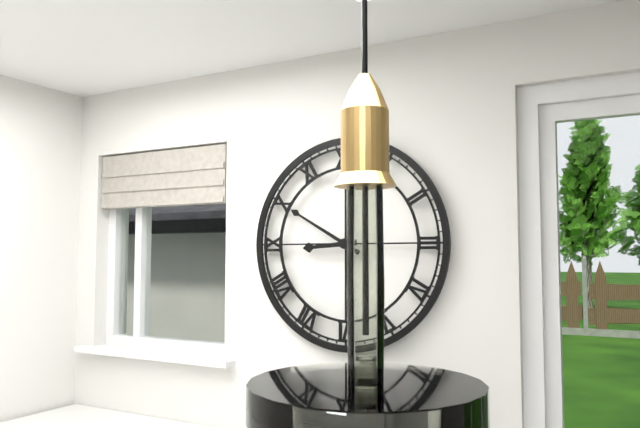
8:50
